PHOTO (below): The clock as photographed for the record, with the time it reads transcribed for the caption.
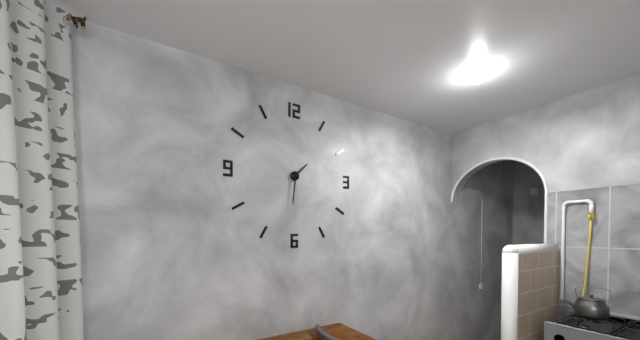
1:31
